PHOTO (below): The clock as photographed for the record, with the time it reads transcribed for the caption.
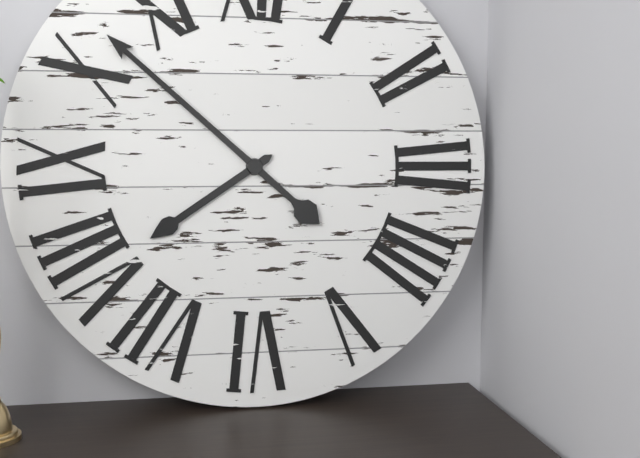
7:52
